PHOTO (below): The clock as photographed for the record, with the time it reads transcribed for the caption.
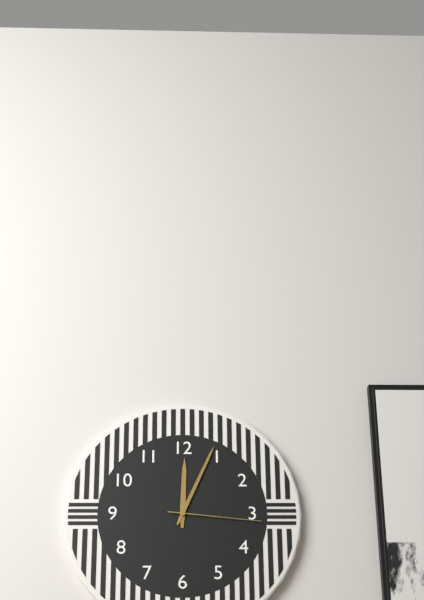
12:04:16
